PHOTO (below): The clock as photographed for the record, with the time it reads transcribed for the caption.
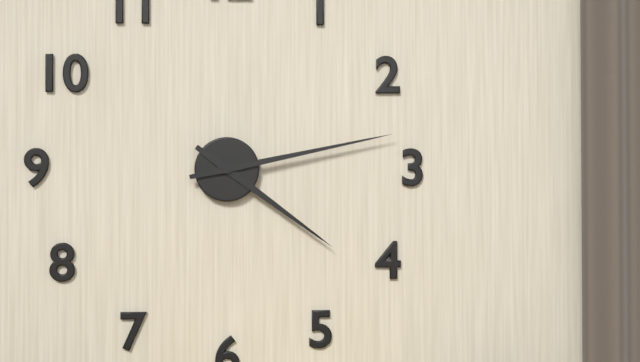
4:13
